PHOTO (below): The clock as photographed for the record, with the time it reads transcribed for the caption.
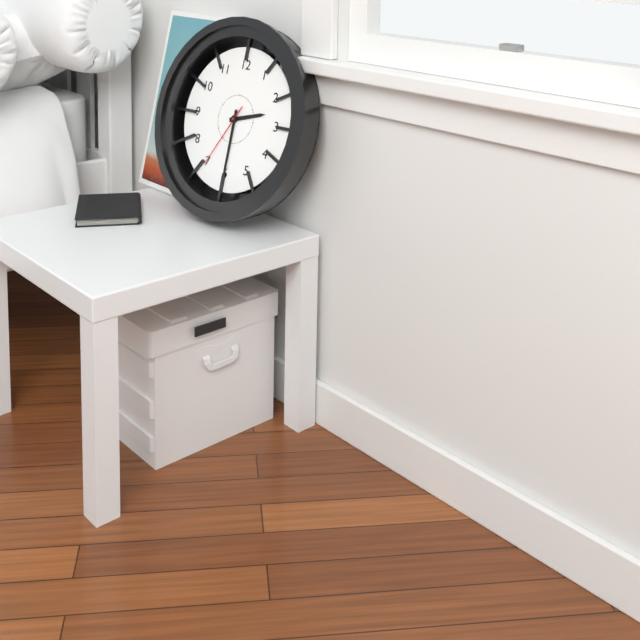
2:30:35
